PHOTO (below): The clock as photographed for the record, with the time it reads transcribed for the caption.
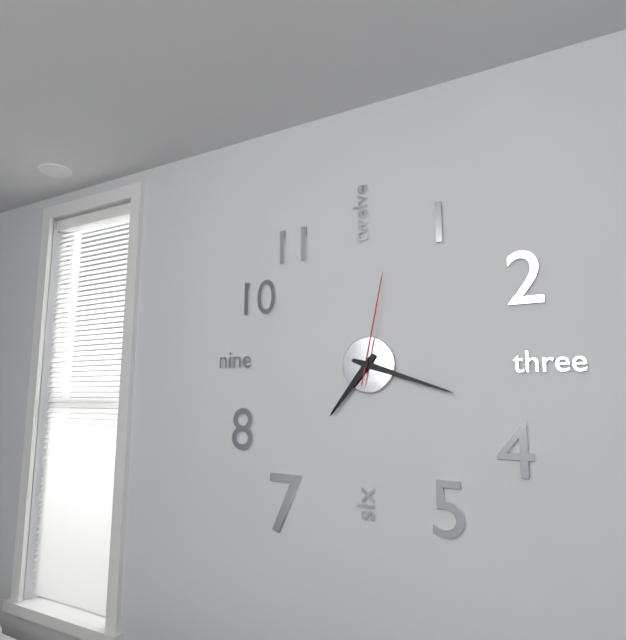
7:18:02
